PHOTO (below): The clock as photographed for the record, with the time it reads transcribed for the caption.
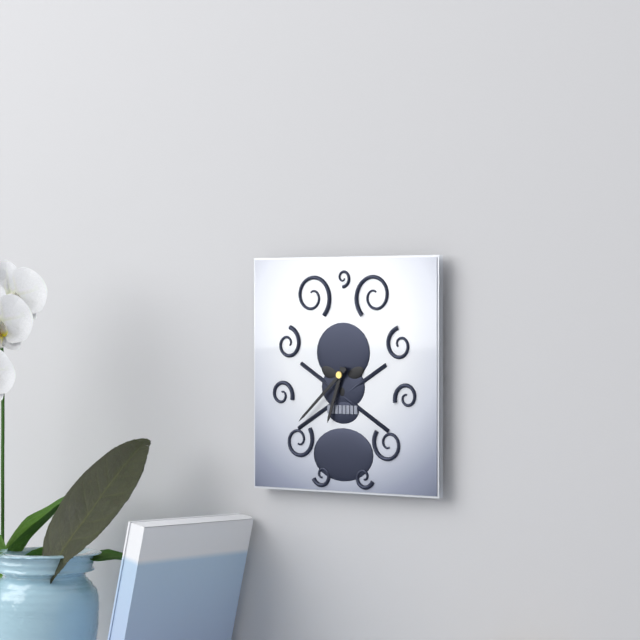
6:38
